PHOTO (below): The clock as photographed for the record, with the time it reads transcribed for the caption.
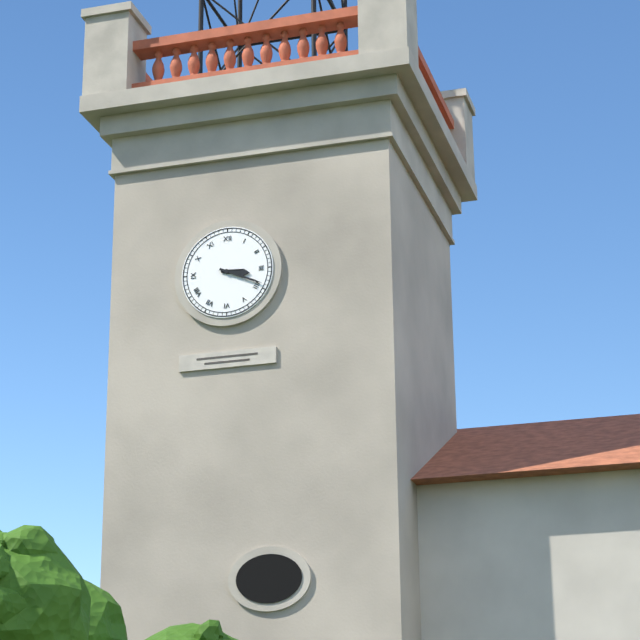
3:19
